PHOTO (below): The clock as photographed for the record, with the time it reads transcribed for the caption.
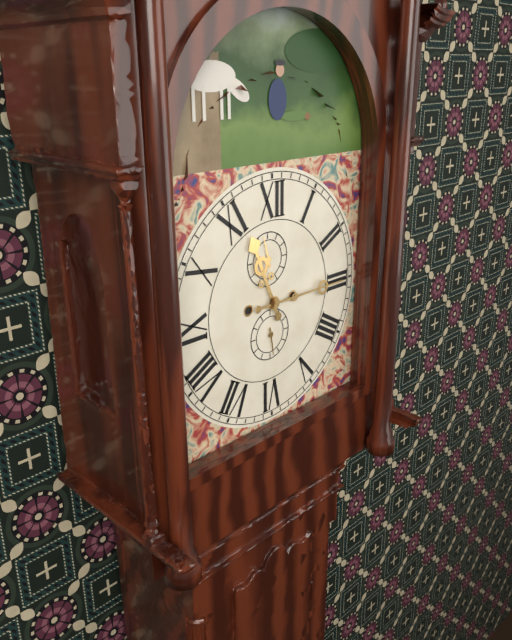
11:15
